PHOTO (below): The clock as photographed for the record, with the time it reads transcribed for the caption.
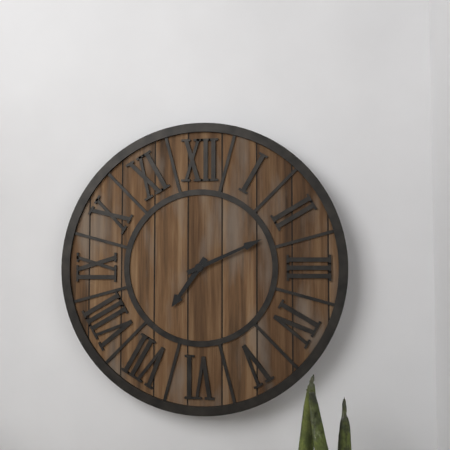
7:11
